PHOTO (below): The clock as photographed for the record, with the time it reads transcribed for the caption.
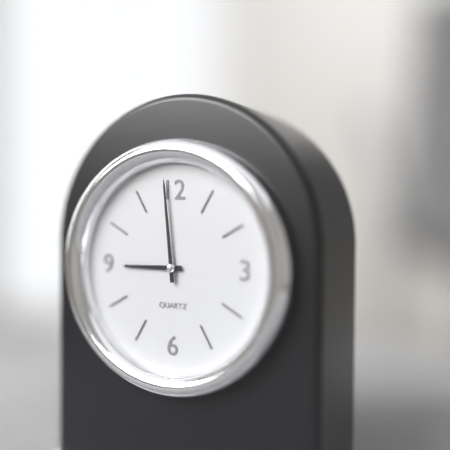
8:59
